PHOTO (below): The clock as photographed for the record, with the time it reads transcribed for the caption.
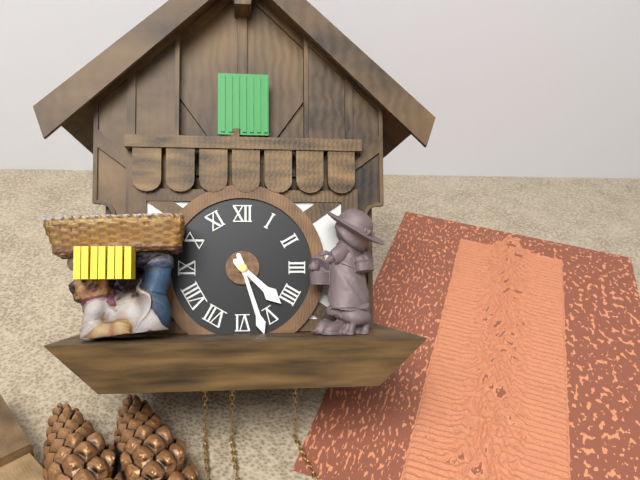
4:27
